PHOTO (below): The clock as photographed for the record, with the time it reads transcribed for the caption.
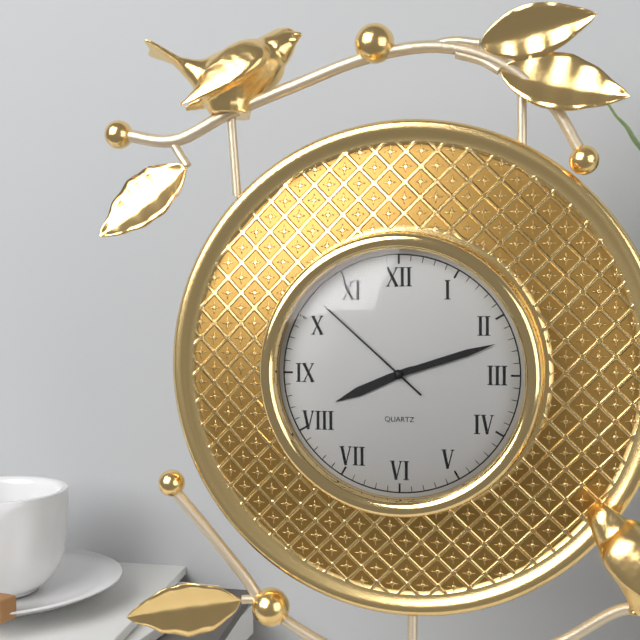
8:12:52
